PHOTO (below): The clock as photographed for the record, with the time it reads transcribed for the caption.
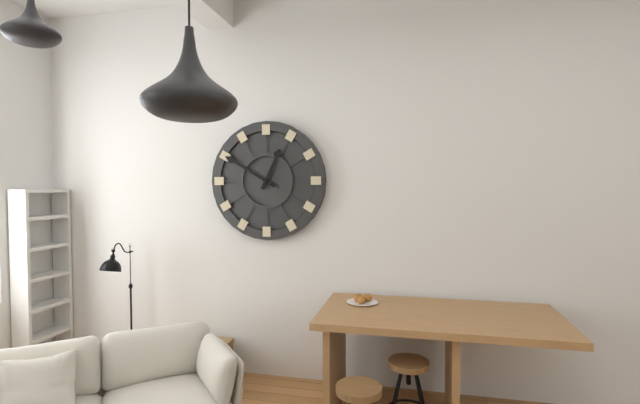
12:50
